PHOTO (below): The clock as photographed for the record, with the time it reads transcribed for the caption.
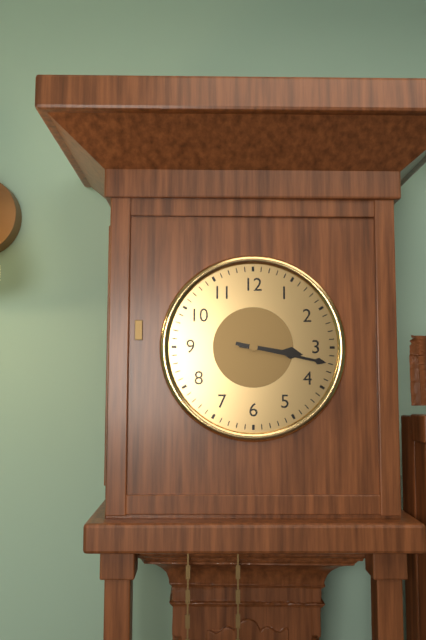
3:17
